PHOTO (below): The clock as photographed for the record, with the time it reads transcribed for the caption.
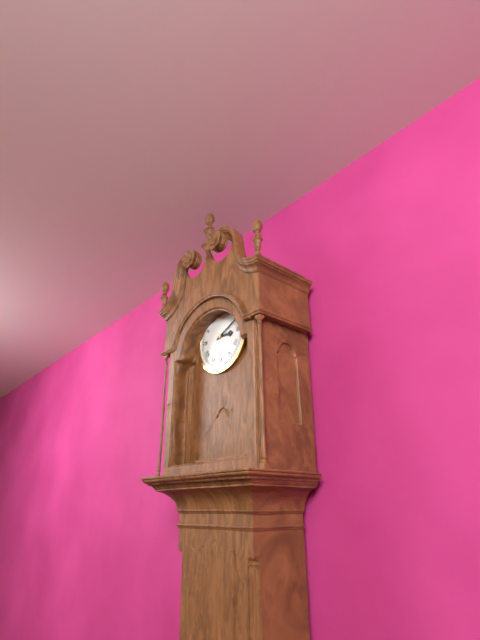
3:11
